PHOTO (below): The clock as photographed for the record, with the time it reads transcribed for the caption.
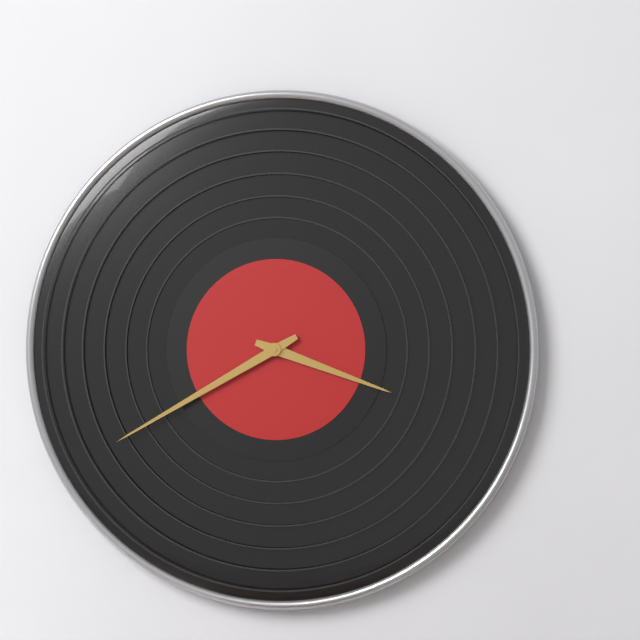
3:40
